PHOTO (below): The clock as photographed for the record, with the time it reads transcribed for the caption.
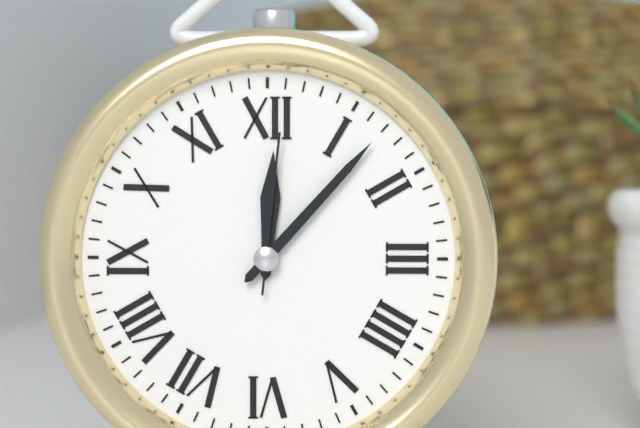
12:07:01
